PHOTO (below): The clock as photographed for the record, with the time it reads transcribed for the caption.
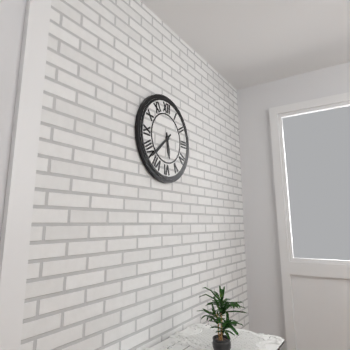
5:38
